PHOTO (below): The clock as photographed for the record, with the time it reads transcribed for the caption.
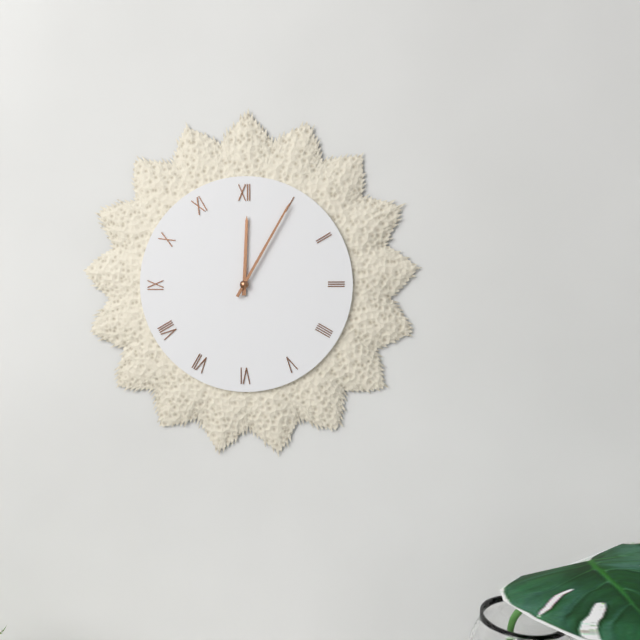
12:05
